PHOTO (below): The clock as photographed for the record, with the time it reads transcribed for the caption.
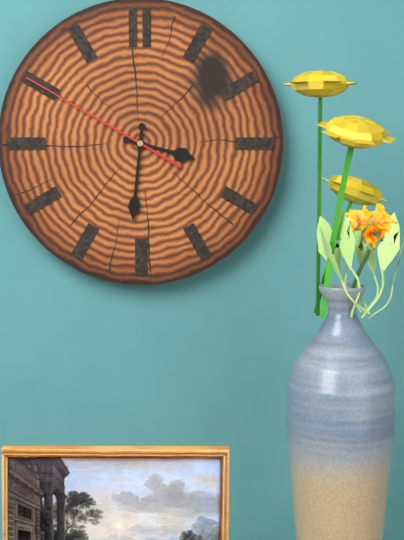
3:31:50
